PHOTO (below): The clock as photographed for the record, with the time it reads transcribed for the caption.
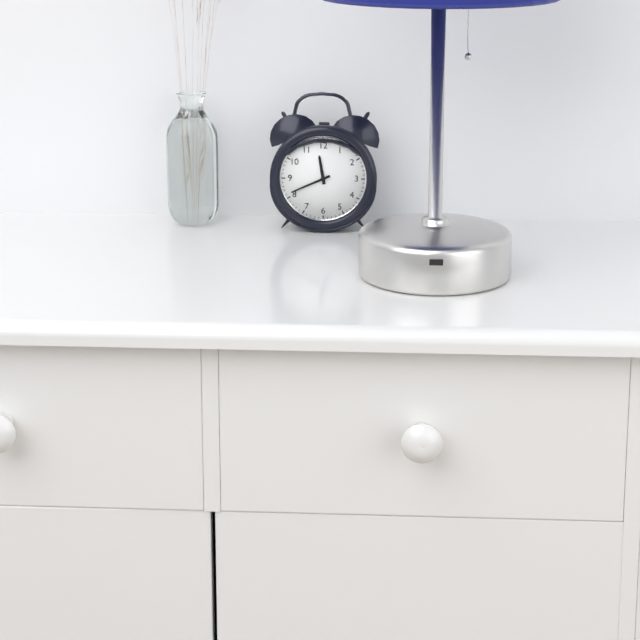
11:41
